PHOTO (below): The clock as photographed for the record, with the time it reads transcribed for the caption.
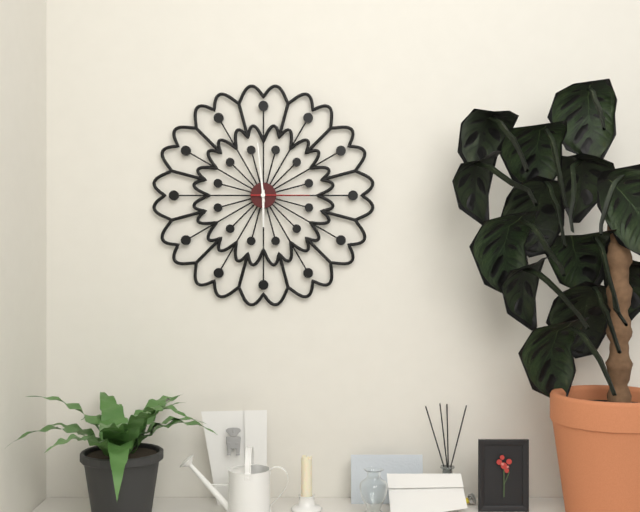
5:59:15
